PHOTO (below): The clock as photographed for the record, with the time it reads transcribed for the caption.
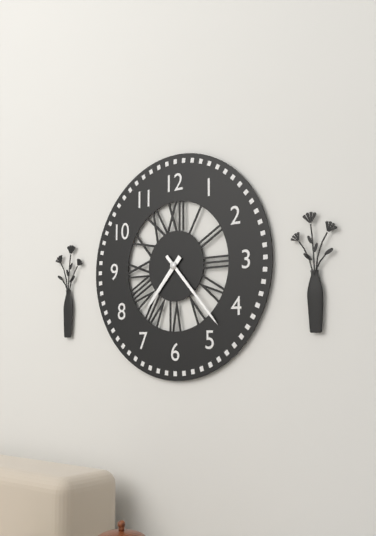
7:23
